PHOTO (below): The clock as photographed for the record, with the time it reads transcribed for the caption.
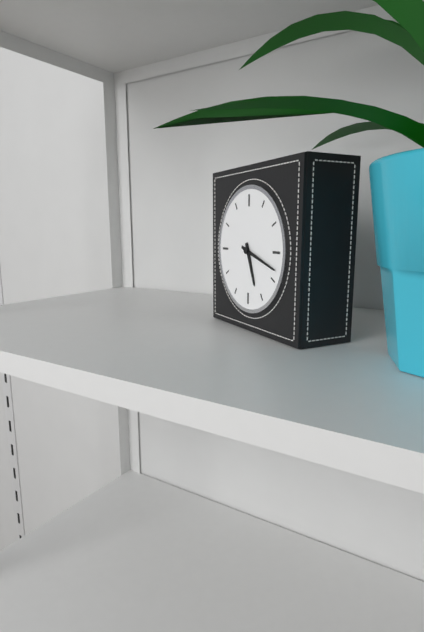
5:18
